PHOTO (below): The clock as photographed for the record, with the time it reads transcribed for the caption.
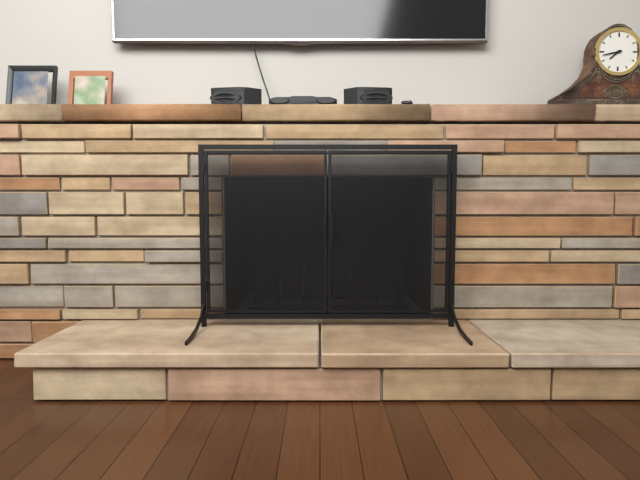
7:43
